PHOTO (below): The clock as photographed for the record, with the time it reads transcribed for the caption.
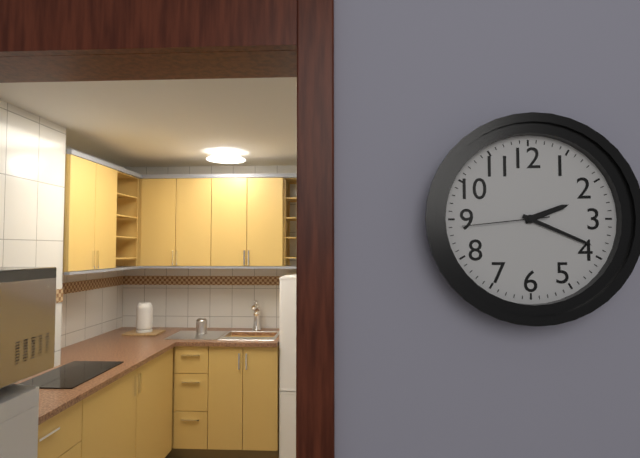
2:19:44
